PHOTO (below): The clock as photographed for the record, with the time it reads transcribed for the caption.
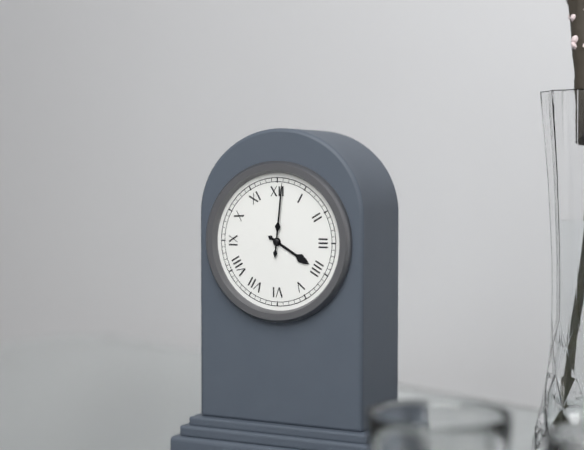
4:01
